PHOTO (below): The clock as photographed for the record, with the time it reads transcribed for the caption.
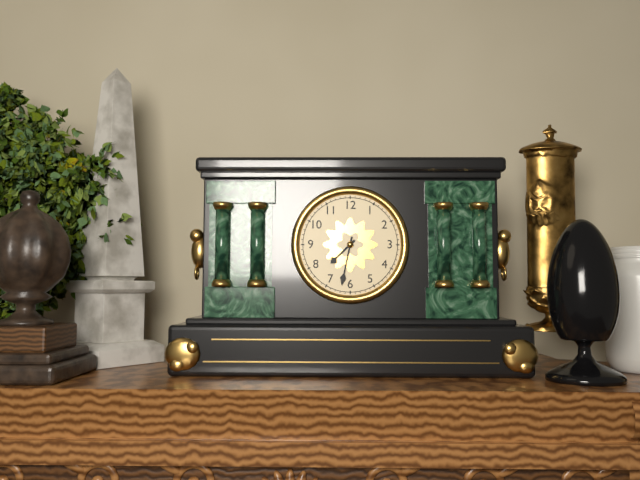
7:32
